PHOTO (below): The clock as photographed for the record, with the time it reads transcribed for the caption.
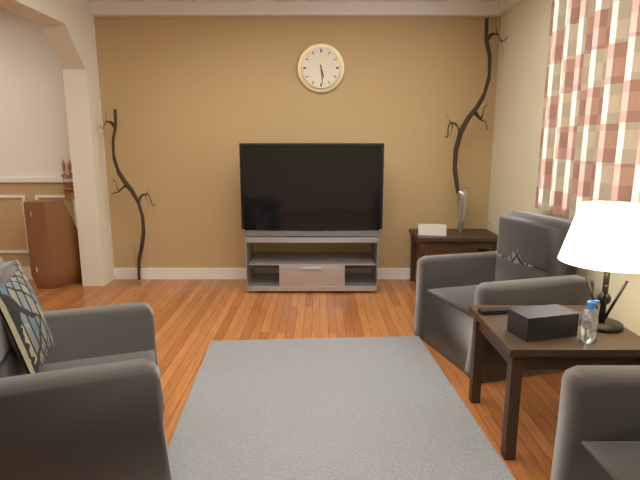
5:29
